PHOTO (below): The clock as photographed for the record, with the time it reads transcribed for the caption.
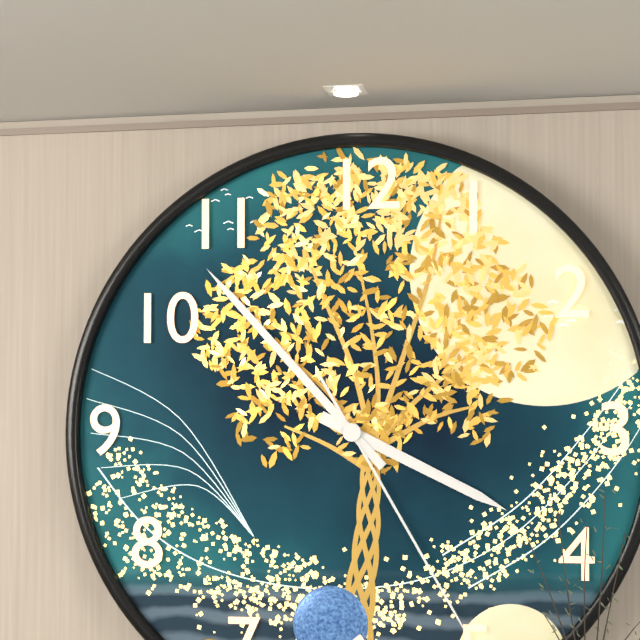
3:53
